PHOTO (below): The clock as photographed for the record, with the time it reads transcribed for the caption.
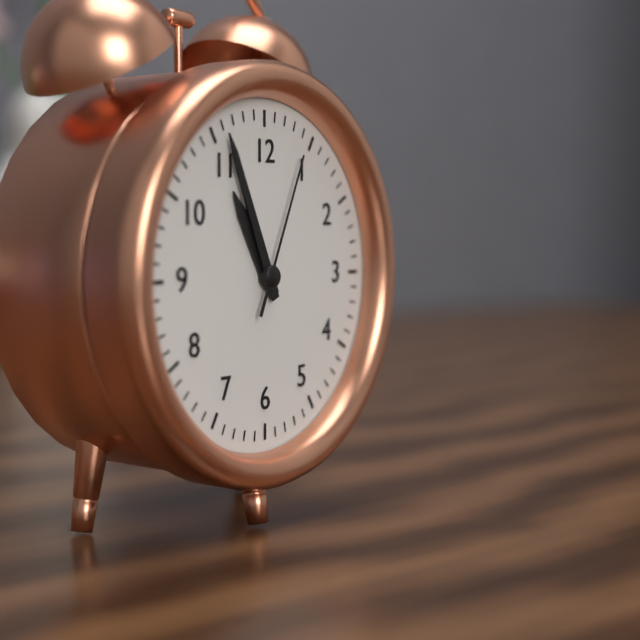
10:56:04
